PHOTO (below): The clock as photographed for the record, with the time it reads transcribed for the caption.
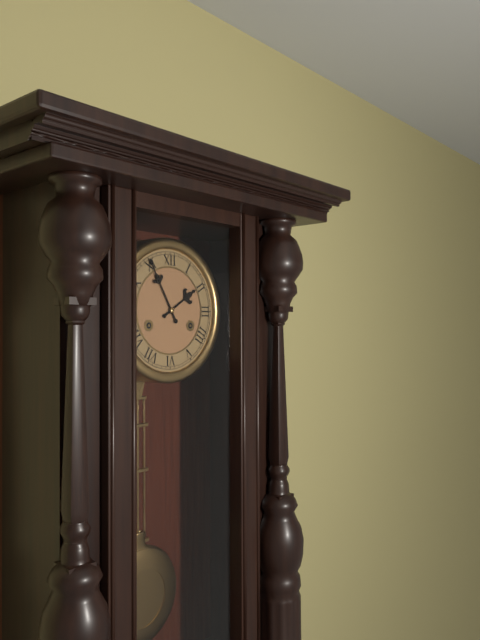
1:55
